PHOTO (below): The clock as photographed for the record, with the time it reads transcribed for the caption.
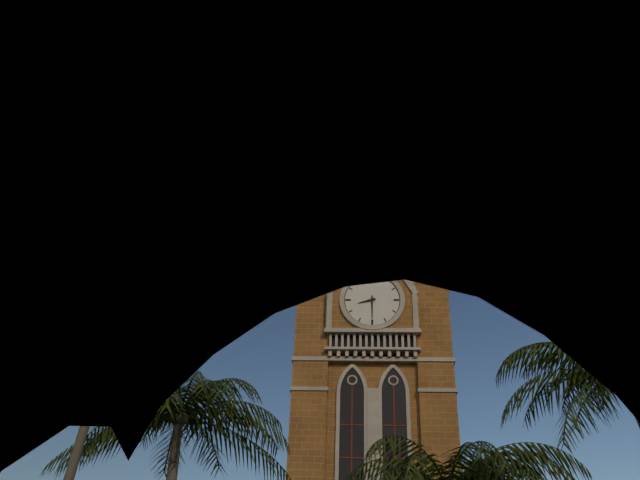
8:30
